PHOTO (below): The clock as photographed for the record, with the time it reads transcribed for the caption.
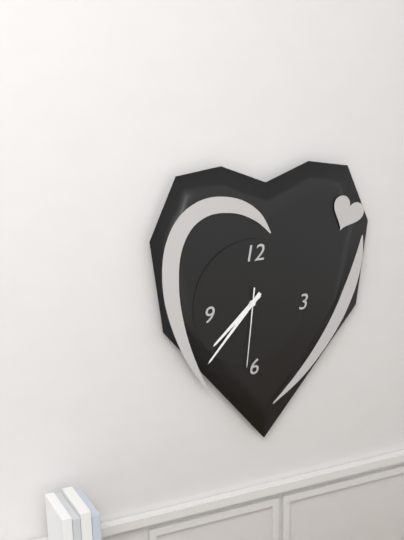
7:37:31
